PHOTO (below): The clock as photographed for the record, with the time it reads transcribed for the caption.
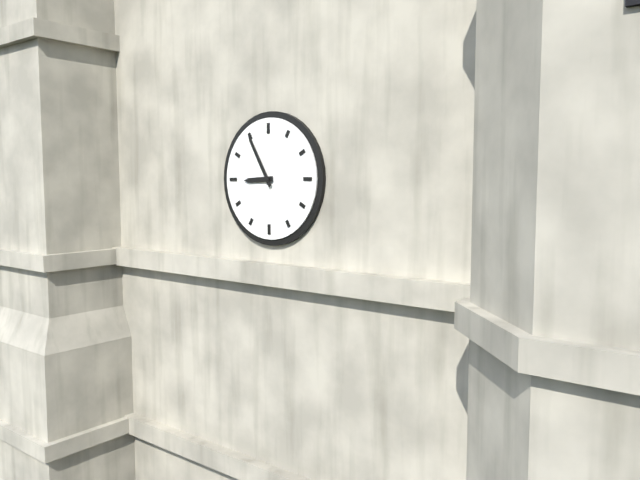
8:55
